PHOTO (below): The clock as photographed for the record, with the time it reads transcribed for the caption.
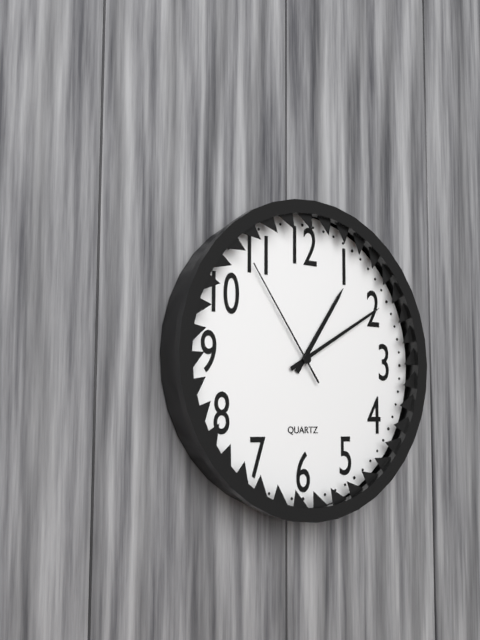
1:10:54
